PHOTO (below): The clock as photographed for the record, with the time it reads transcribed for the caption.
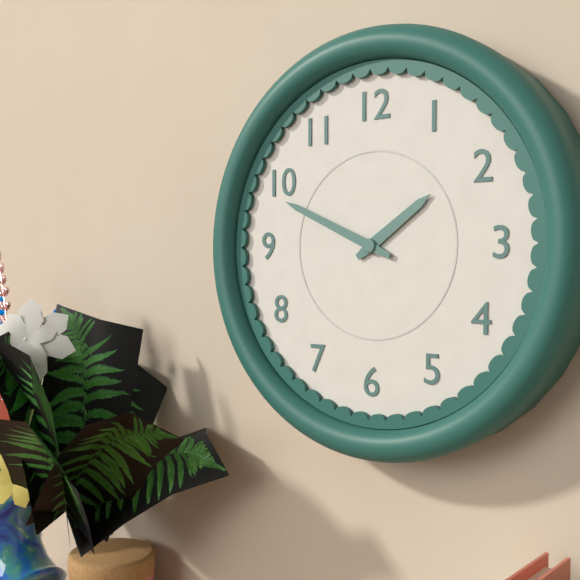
1:49
